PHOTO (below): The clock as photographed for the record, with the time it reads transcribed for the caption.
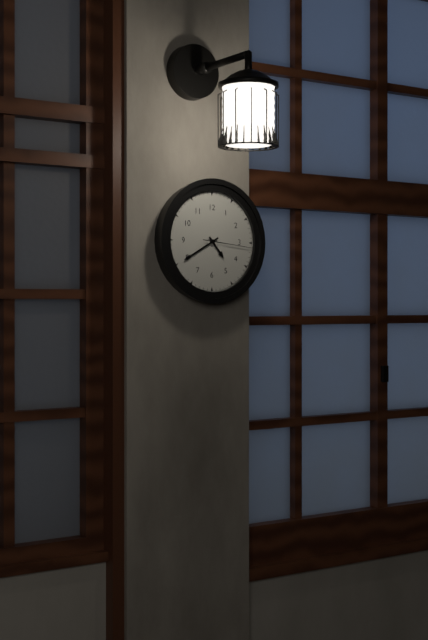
4:40
